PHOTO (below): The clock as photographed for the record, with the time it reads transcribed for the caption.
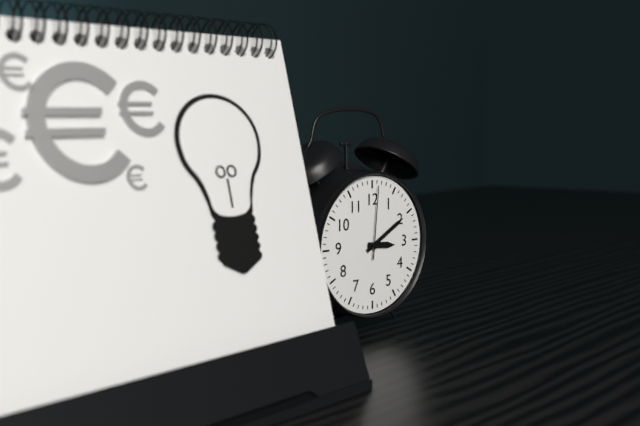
3:10:01
